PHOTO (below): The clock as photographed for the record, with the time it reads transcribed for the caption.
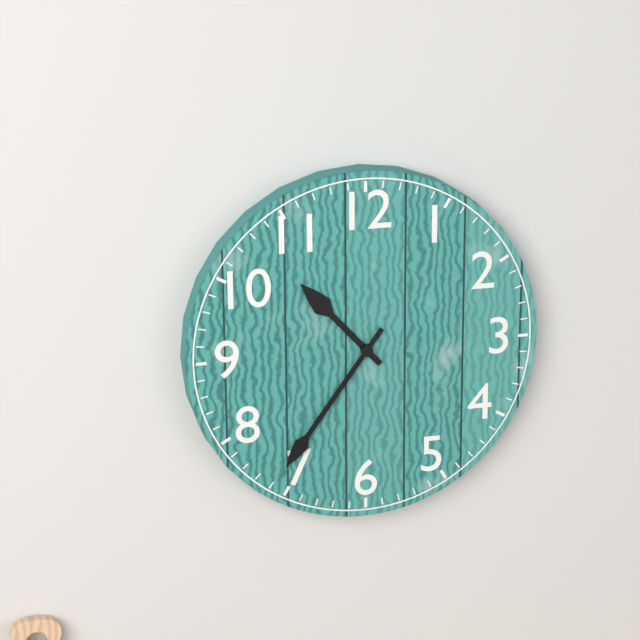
10:36
